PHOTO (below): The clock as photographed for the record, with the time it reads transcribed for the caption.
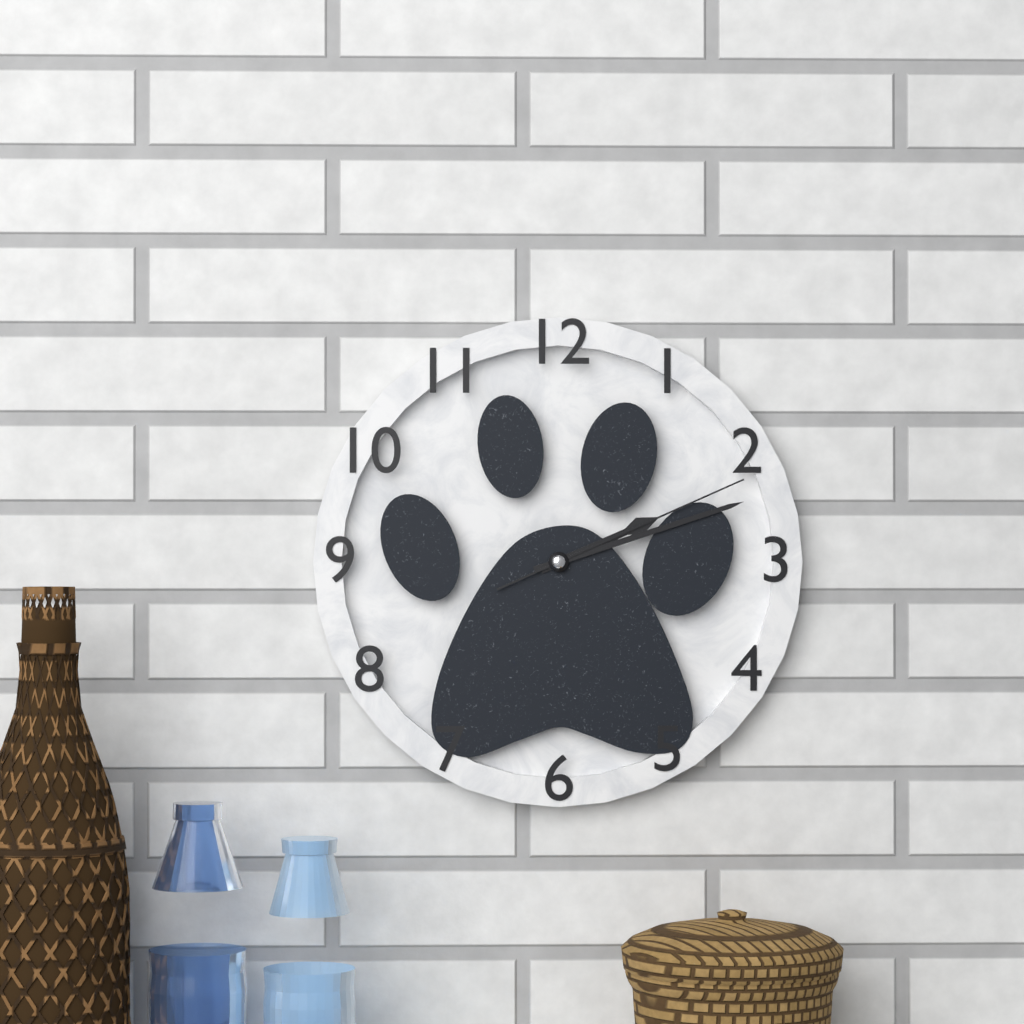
2:12:11
